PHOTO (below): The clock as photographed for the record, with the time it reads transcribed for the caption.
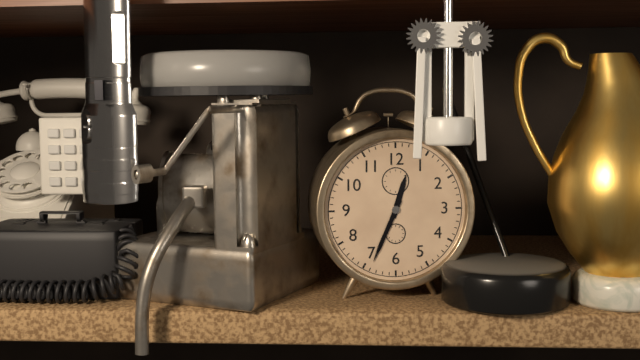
12:34
